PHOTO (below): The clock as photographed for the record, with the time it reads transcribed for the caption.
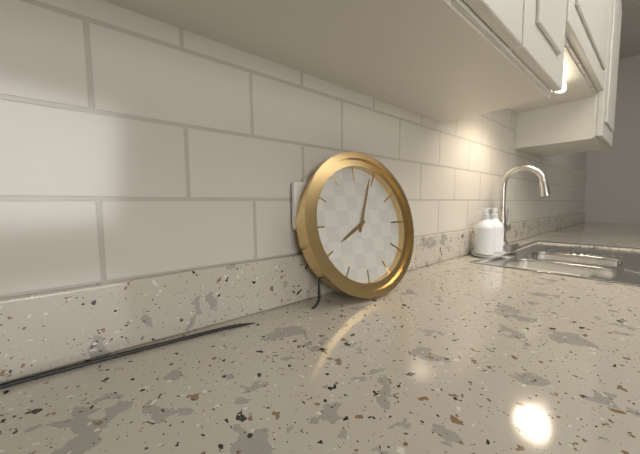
8:04
